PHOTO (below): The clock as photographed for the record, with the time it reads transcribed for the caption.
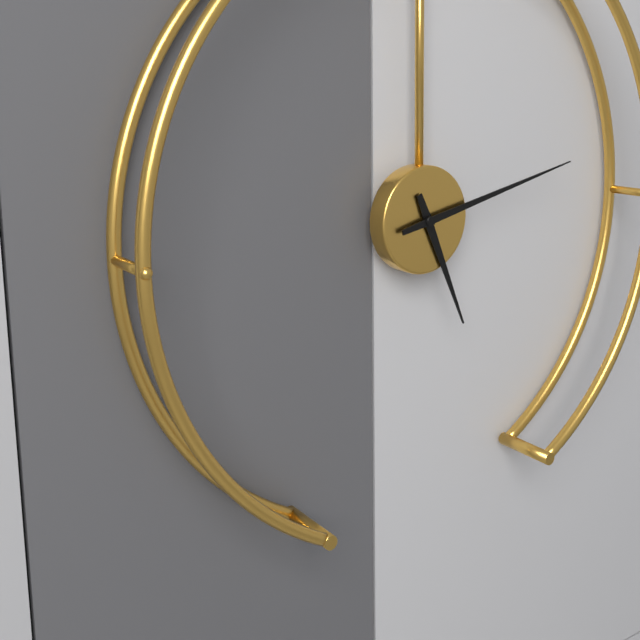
5:13
